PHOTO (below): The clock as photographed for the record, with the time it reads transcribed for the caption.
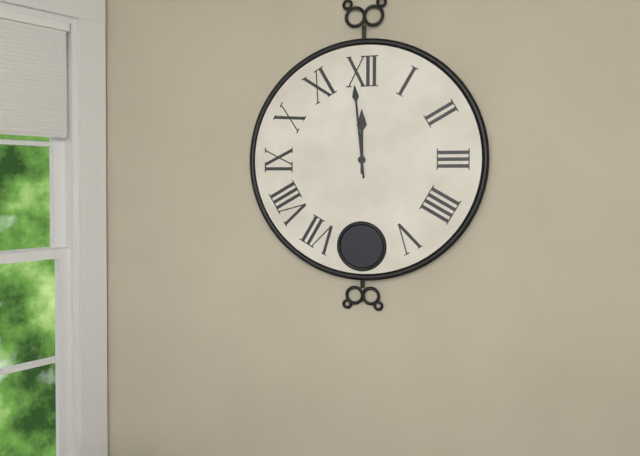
11:59
